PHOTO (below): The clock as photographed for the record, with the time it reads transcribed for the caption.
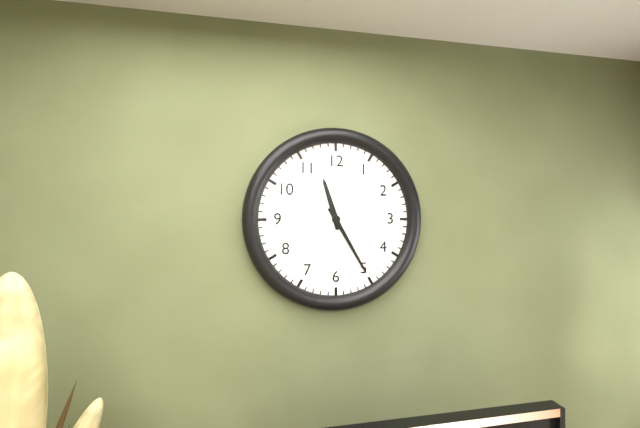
11:25
